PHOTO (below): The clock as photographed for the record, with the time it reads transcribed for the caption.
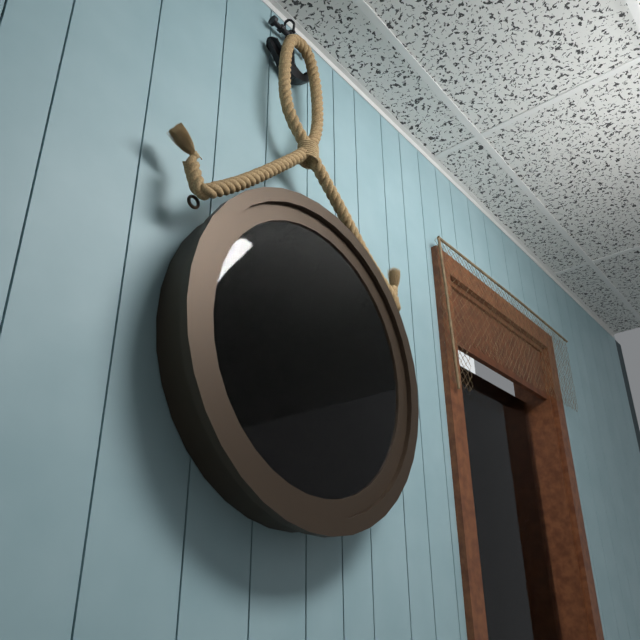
7:55
